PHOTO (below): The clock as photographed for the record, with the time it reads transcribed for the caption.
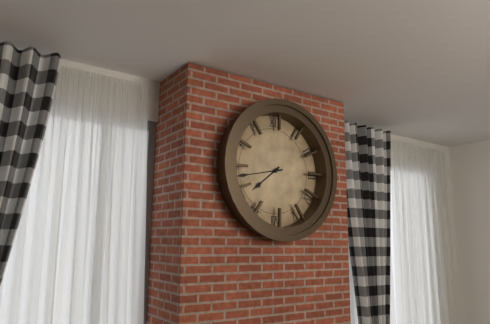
7:43
